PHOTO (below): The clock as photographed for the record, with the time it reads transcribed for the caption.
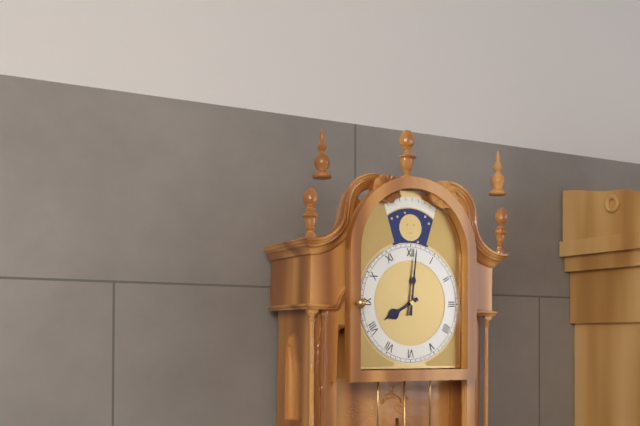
8:01
